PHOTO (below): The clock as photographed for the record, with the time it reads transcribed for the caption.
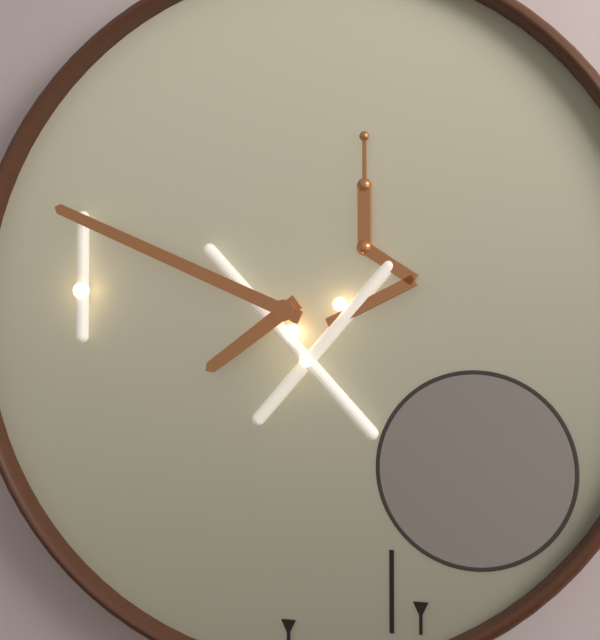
7:49
